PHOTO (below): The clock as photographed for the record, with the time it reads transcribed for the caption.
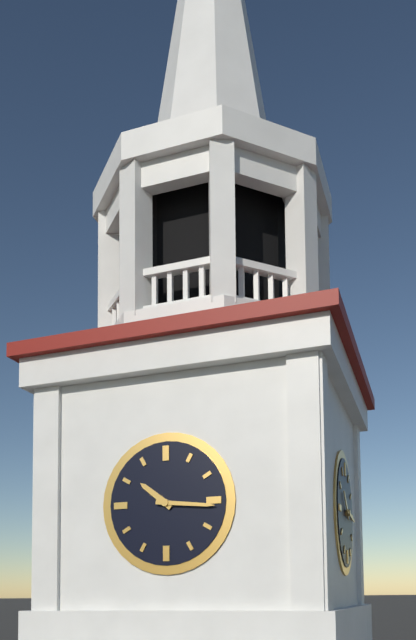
10:16
